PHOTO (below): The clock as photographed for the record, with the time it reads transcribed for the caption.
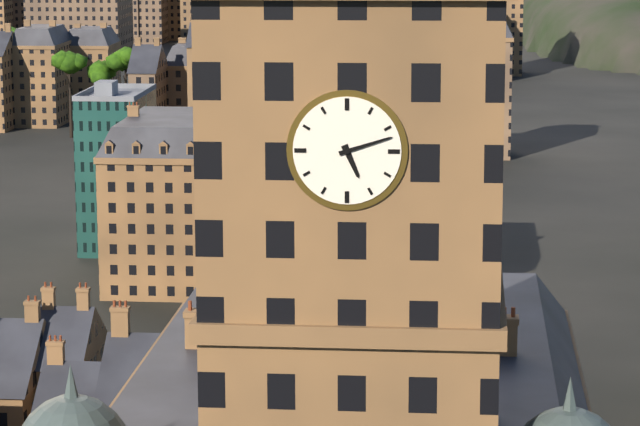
5:12
